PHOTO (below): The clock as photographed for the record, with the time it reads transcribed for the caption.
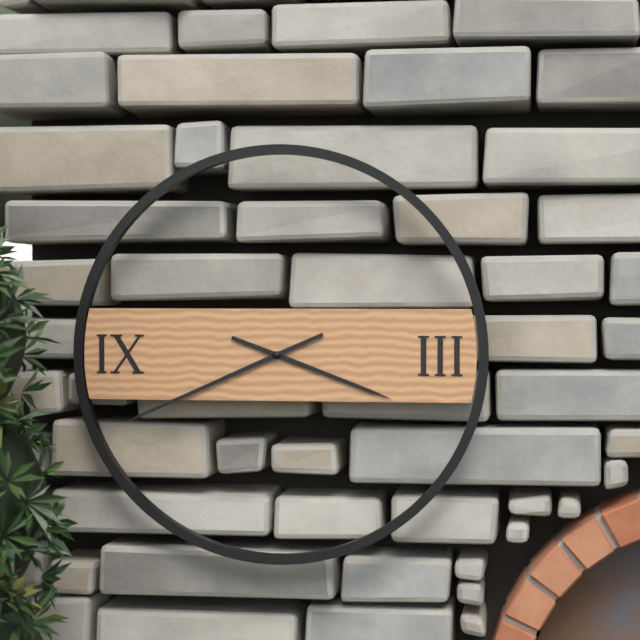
3:41
